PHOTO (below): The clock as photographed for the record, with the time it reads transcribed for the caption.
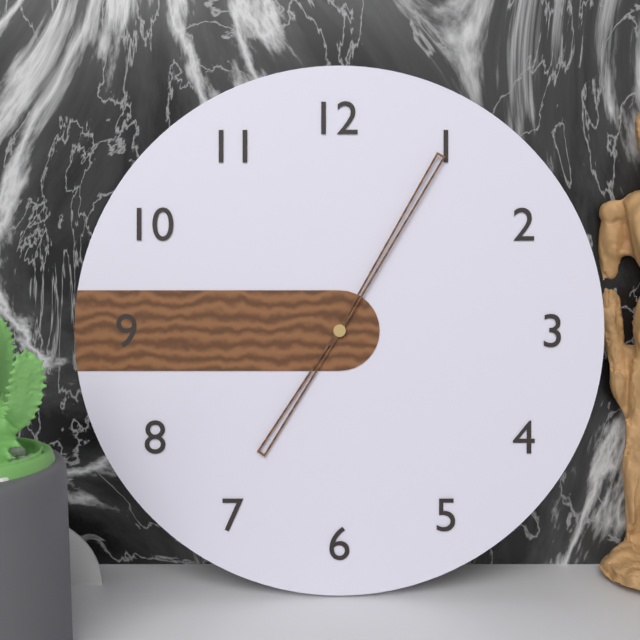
7:05
